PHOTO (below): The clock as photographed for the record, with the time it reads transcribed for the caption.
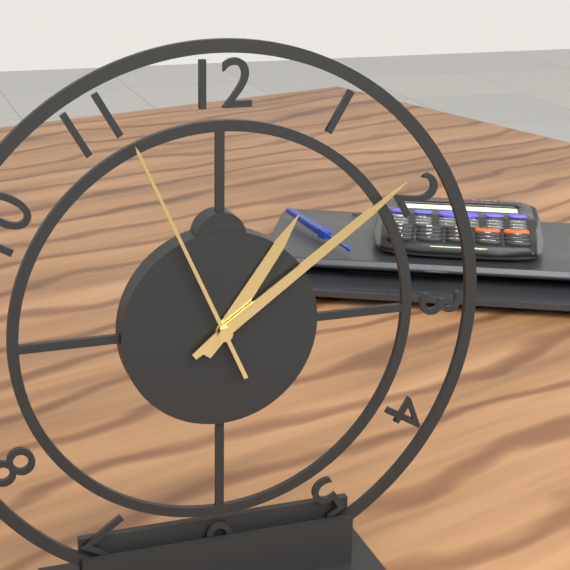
1:09:56
